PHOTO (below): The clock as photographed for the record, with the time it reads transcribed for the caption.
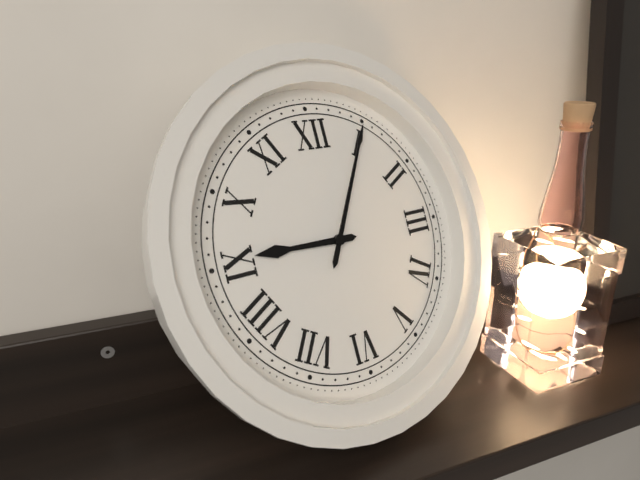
9:05
